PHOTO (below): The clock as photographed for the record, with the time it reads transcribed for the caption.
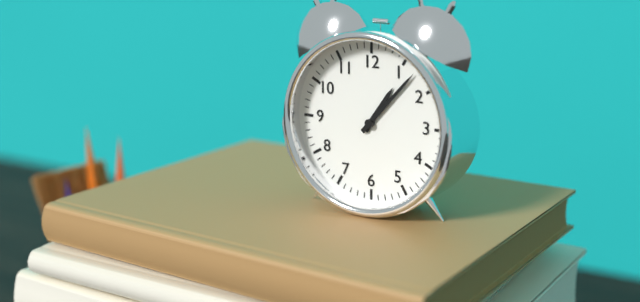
1:07
